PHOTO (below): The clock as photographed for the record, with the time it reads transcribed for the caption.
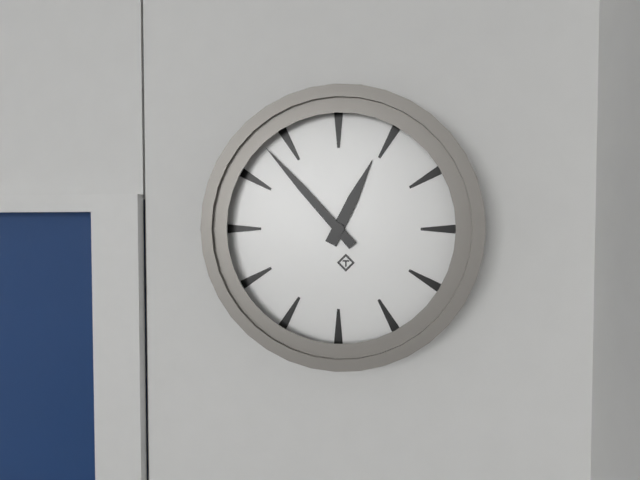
12:53
